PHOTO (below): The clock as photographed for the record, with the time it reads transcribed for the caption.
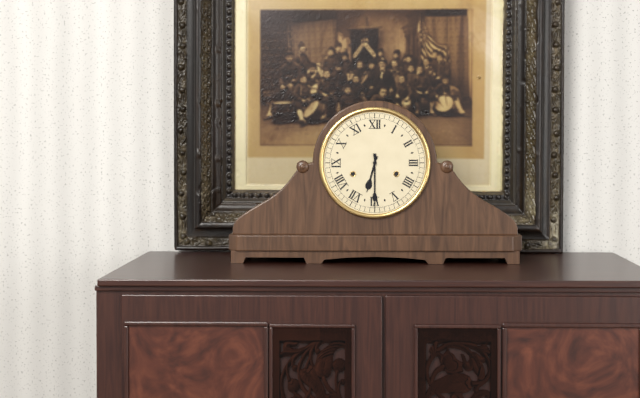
6:30
